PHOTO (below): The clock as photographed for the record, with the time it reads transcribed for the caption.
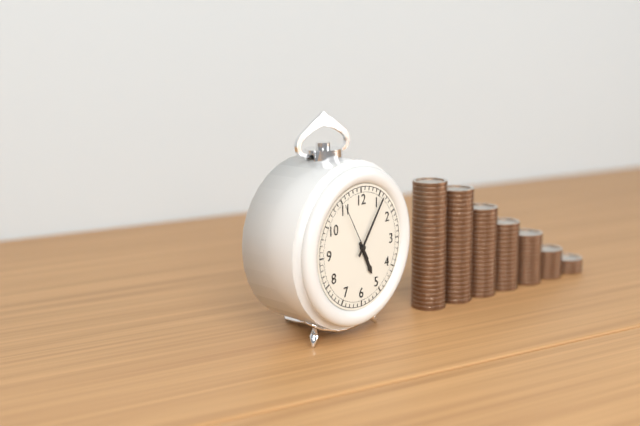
5:06:55
